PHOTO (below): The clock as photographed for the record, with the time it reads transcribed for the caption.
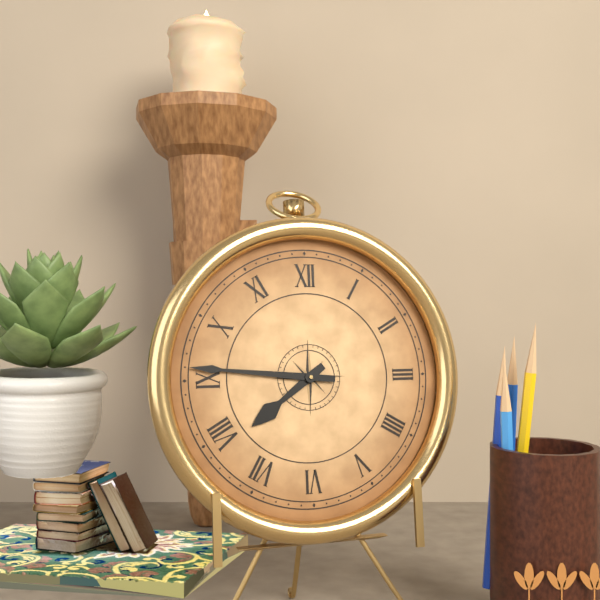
7:46
